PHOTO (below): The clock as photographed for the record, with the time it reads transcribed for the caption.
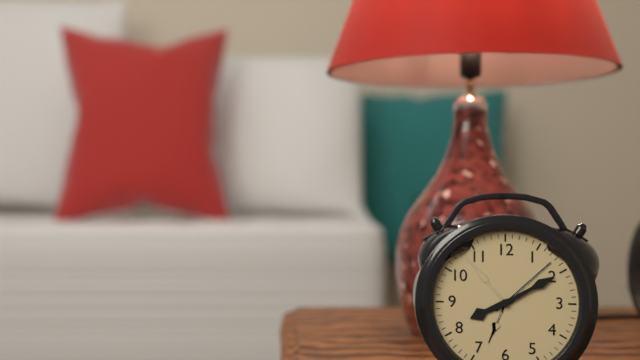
8:10
